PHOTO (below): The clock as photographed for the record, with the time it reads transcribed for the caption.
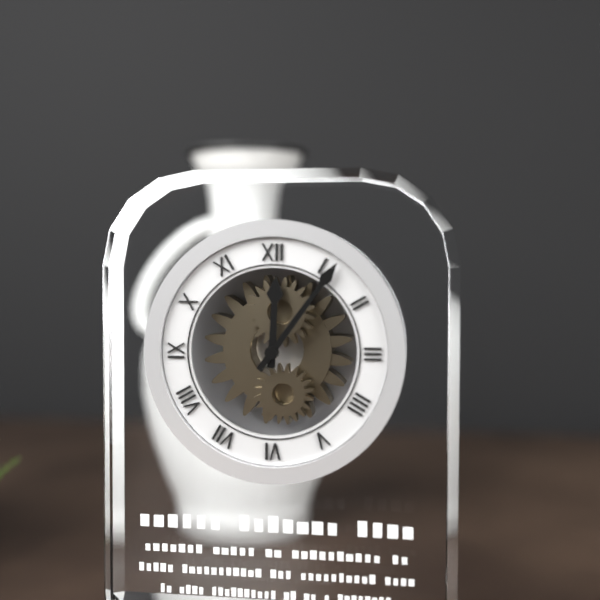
12:06
